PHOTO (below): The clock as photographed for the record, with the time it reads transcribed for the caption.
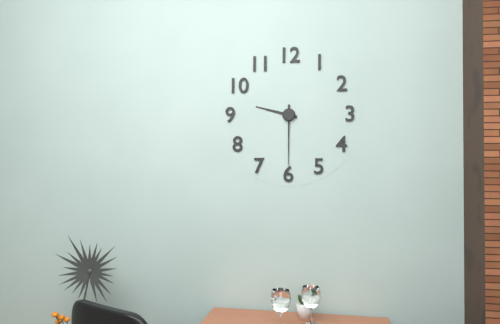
9:30
